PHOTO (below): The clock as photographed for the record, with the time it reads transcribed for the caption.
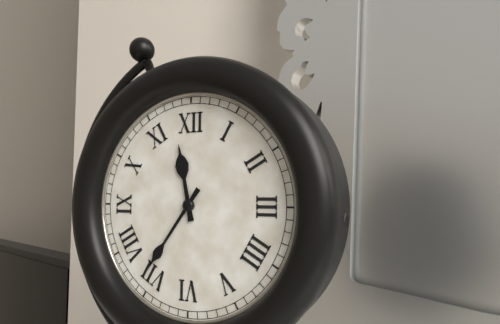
11:36
